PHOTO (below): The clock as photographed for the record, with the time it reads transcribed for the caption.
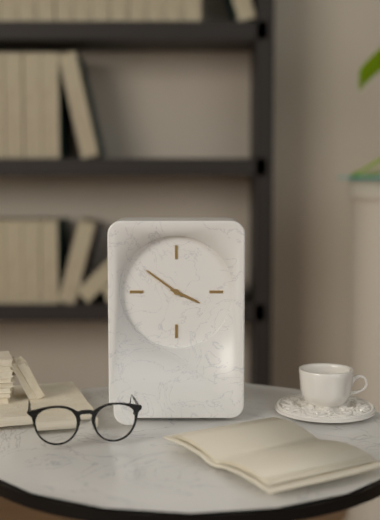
3:51
